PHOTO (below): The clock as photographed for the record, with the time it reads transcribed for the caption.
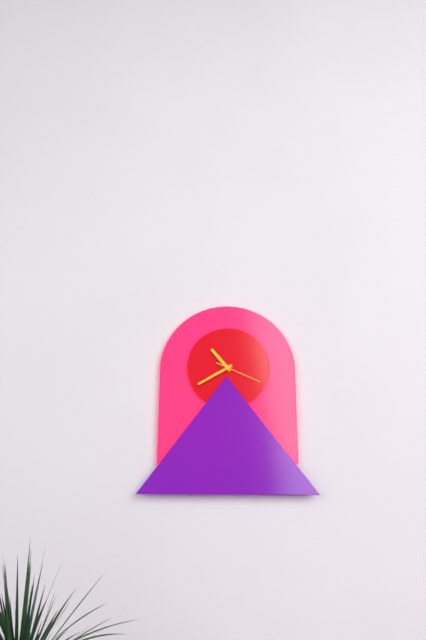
10:40
